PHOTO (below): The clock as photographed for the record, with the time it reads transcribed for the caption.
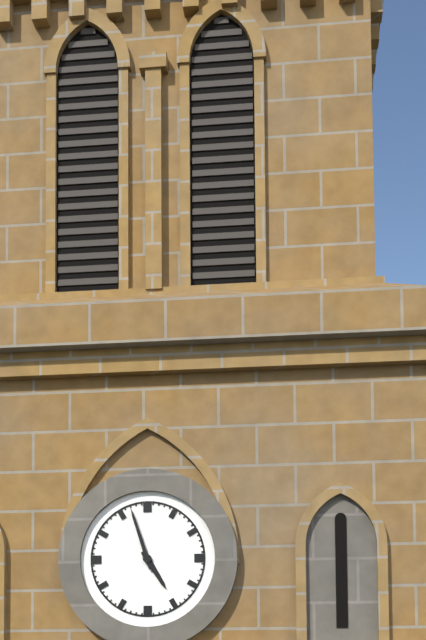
4:57
